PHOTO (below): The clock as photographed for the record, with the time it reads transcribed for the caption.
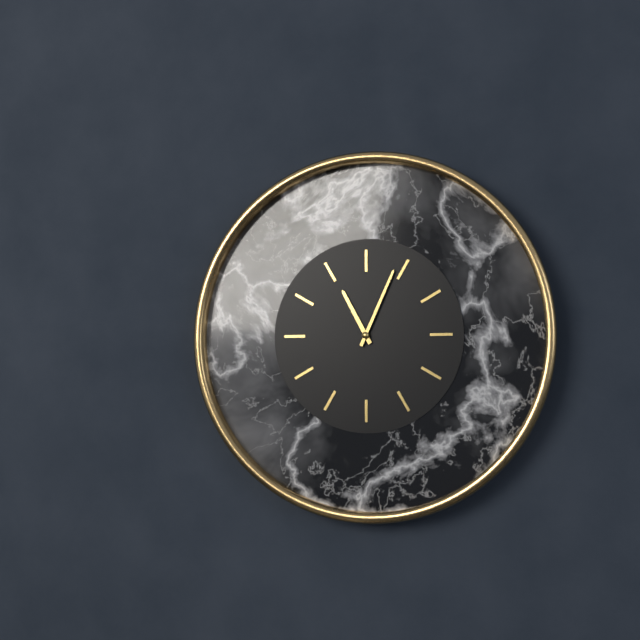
11:04
